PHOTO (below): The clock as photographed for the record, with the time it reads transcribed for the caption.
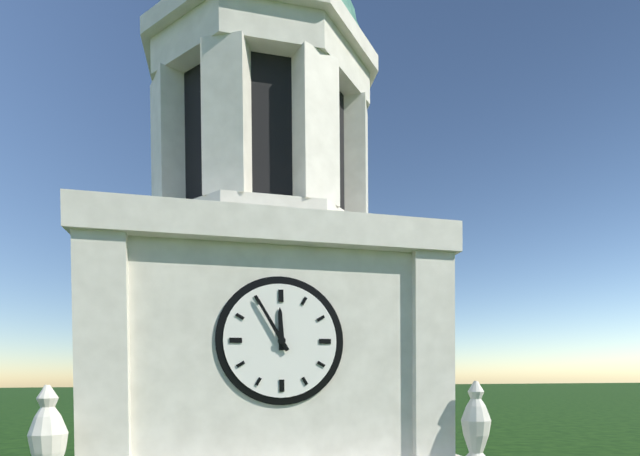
11:55
